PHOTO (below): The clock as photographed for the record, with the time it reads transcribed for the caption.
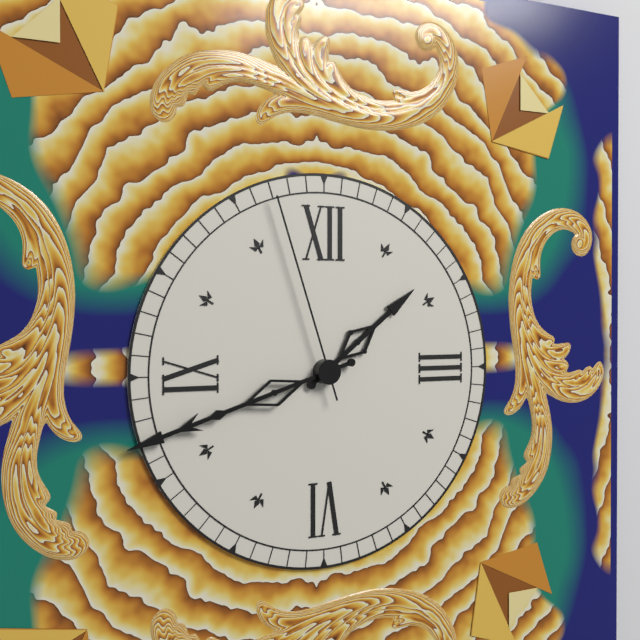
1:42:57
